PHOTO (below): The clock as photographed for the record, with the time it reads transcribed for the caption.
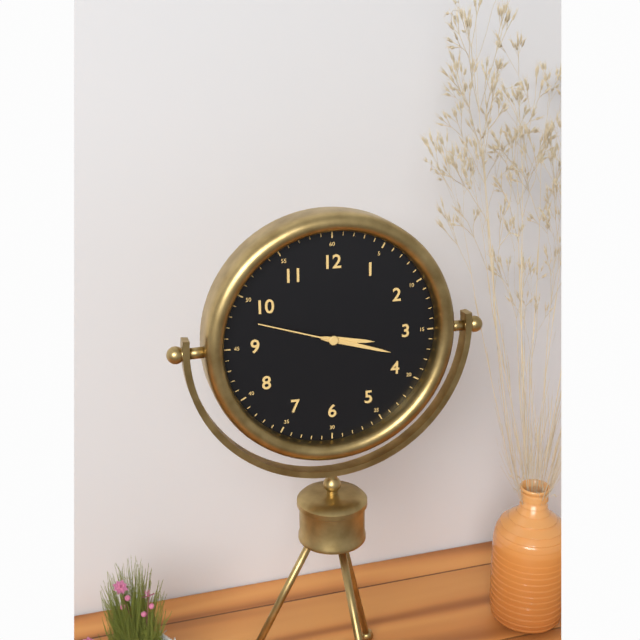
3:18:48
